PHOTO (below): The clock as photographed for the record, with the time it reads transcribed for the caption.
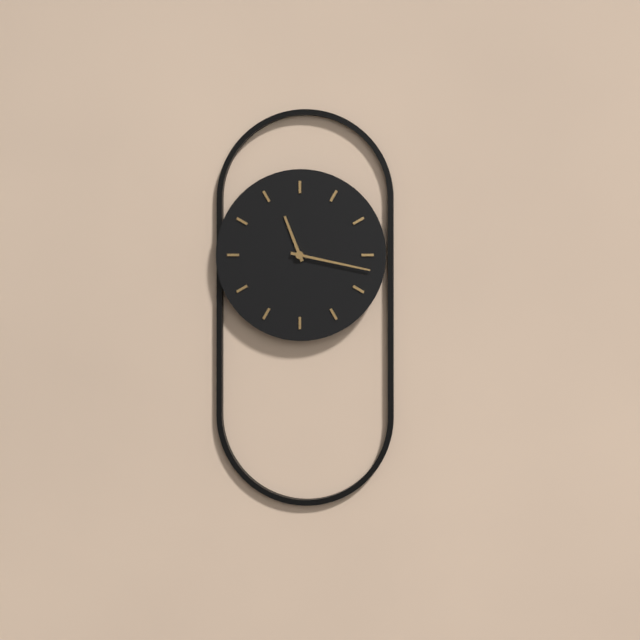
11:17
